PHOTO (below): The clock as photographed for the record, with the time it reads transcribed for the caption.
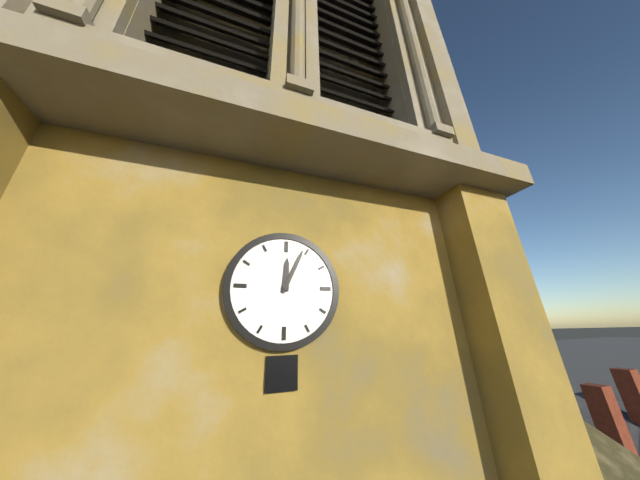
12:04
